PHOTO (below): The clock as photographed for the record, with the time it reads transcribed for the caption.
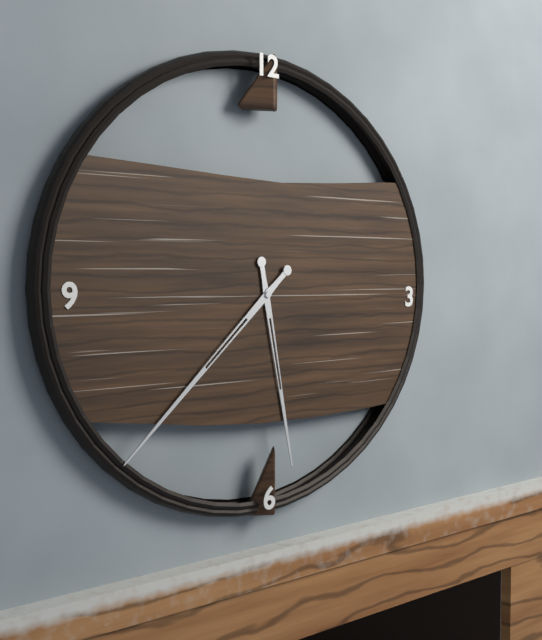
5:38
